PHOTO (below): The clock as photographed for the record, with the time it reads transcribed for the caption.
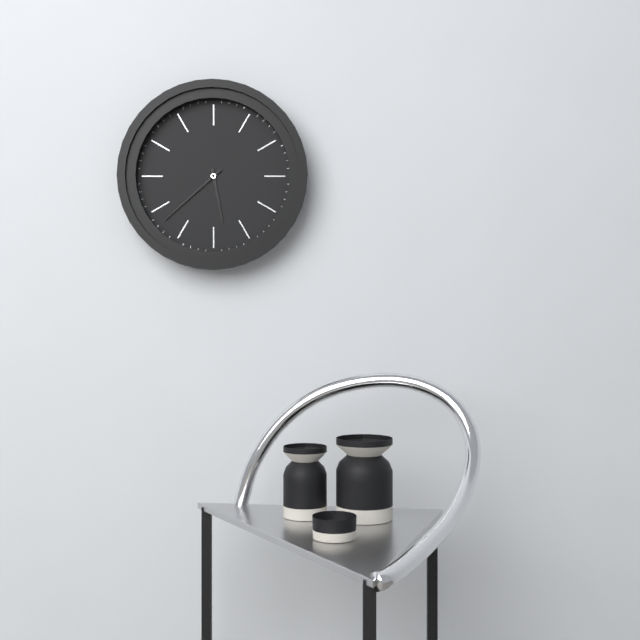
5:38
